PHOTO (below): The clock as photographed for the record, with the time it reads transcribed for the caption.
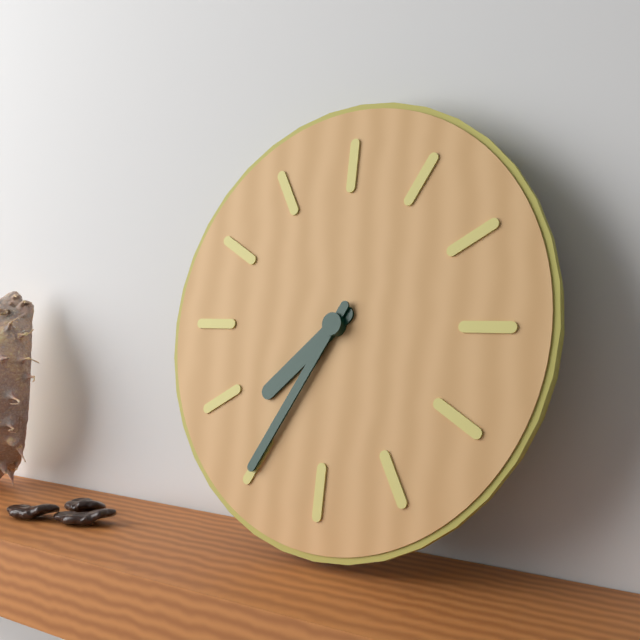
7:35
